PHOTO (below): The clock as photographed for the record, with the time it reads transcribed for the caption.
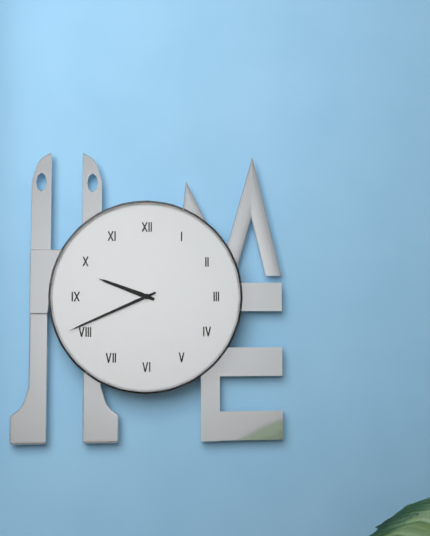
9:41
